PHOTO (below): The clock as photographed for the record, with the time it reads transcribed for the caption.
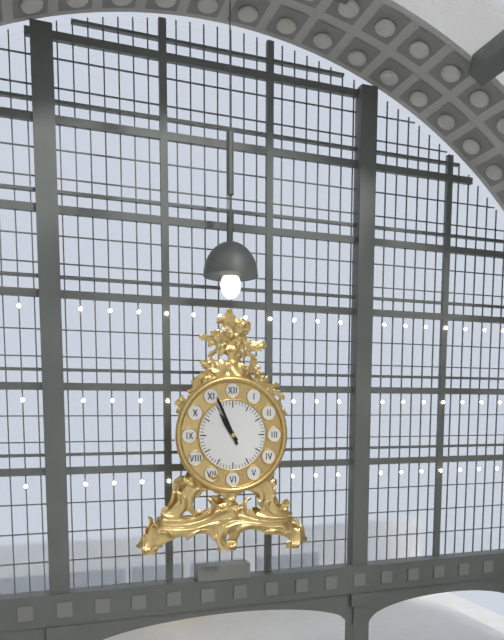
10:56
